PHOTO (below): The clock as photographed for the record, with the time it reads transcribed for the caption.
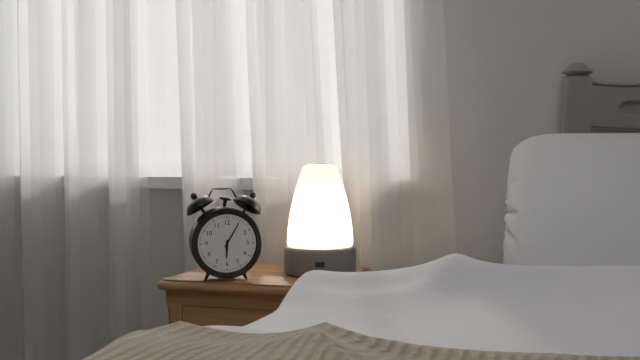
6:05
